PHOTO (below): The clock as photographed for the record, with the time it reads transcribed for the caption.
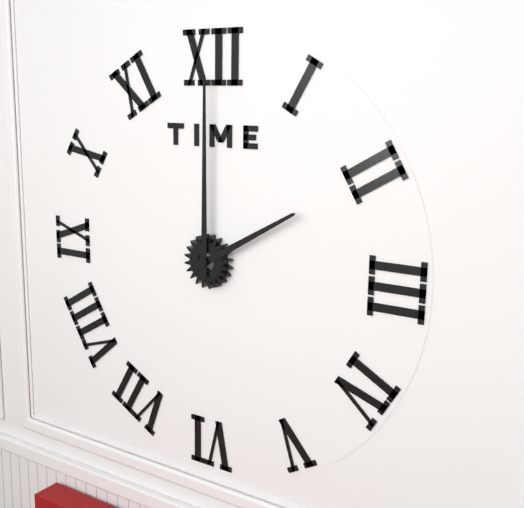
2:00
